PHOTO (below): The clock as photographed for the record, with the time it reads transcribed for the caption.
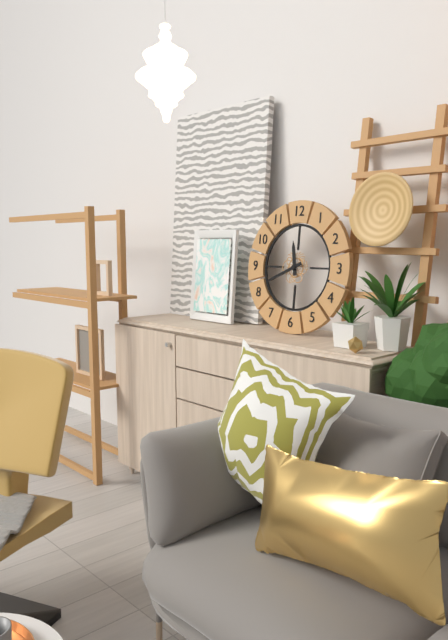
11:41
